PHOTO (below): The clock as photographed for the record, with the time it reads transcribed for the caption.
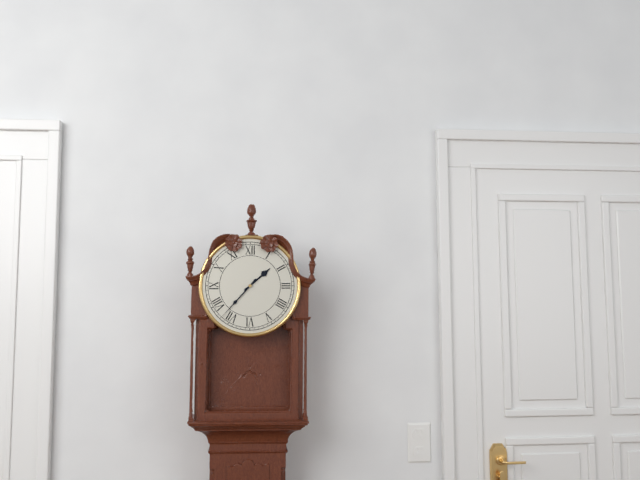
1:37
